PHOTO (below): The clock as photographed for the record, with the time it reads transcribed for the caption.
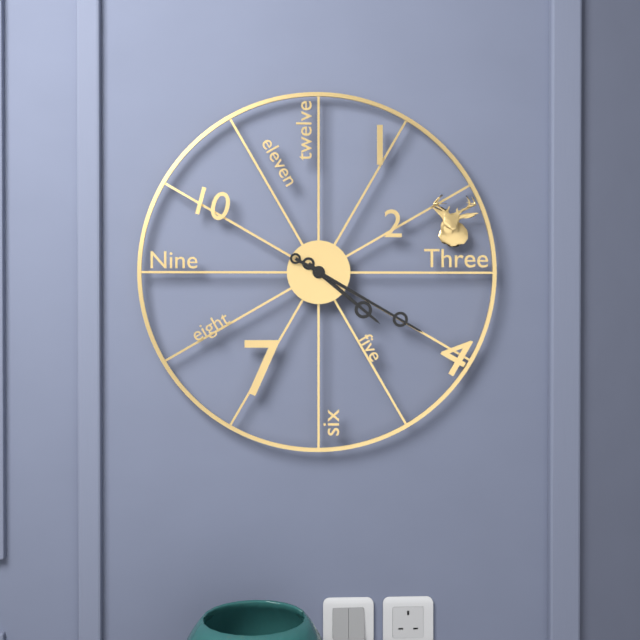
4:20
